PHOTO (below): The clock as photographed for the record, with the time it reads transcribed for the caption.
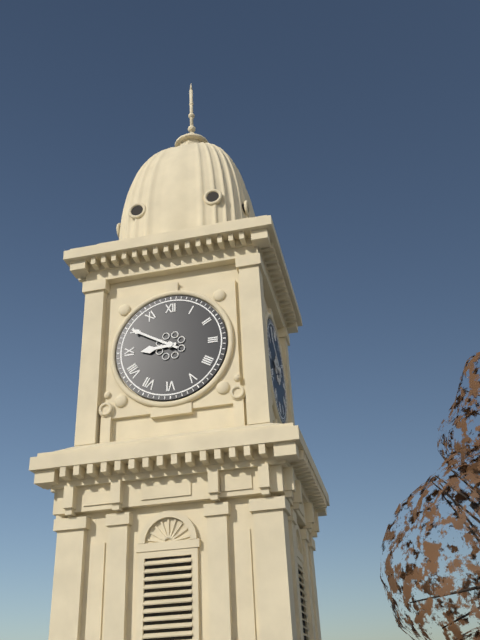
8:50
